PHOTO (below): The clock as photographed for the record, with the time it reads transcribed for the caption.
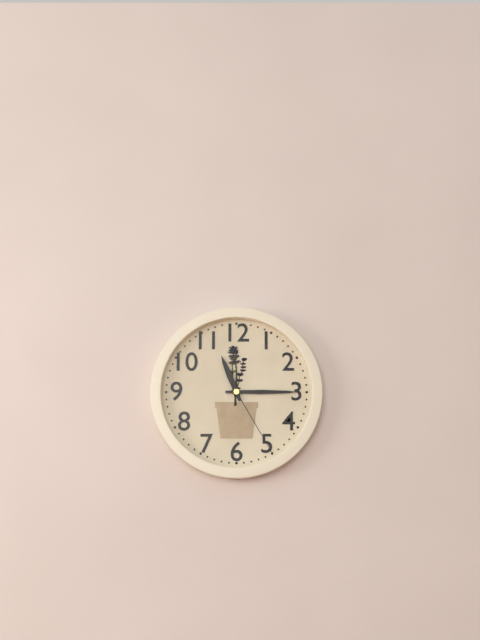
11:15:25
